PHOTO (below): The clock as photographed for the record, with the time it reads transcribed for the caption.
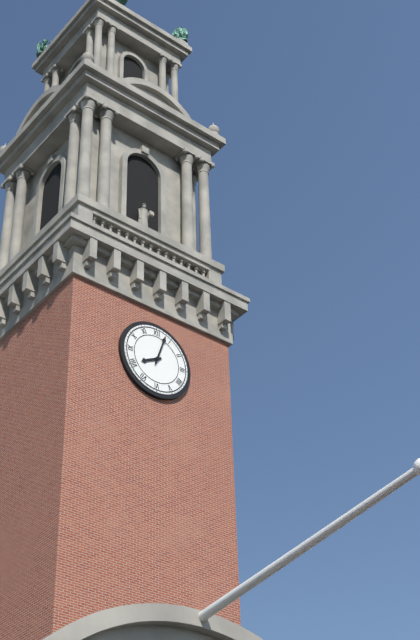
8:03
